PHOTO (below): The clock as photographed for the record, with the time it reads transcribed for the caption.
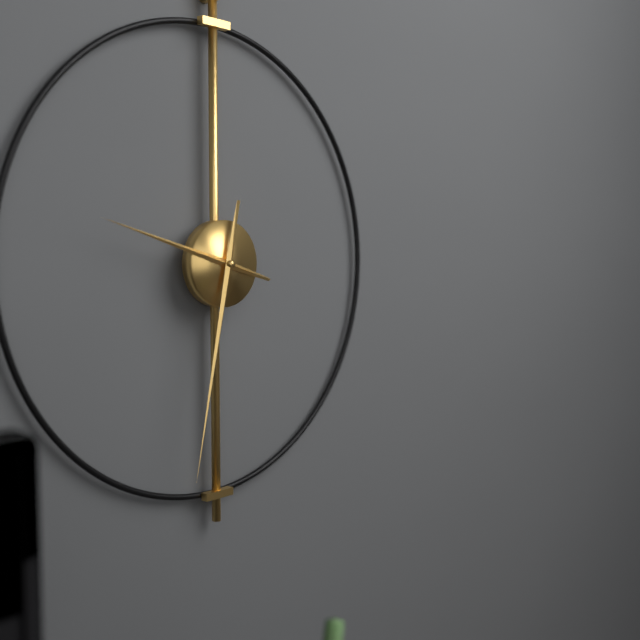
9:32
